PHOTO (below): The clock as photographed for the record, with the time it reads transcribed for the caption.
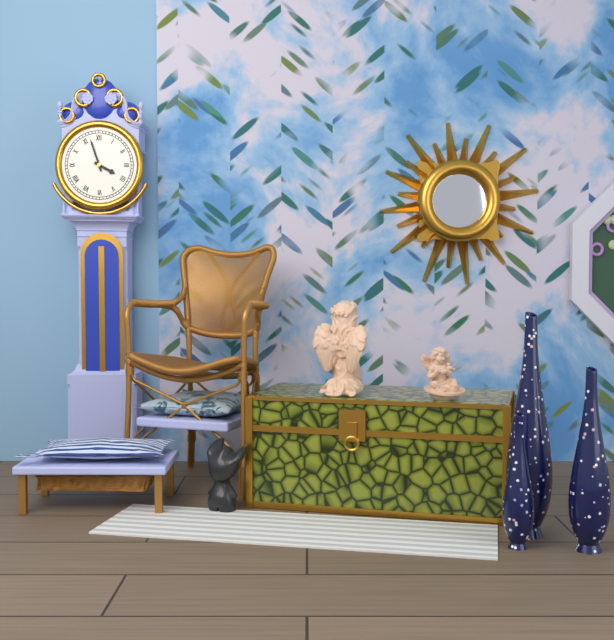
3:57
